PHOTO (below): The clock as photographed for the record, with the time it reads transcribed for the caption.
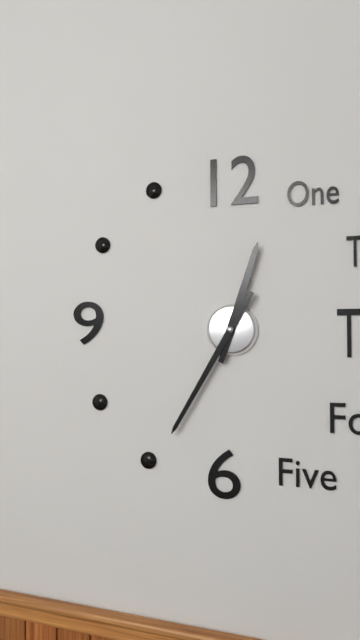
12:35
